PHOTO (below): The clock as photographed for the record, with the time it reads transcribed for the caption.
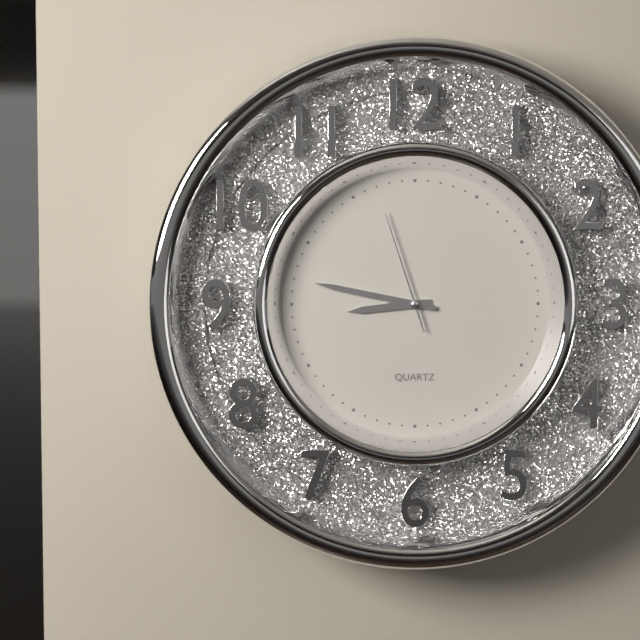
8:47:57
